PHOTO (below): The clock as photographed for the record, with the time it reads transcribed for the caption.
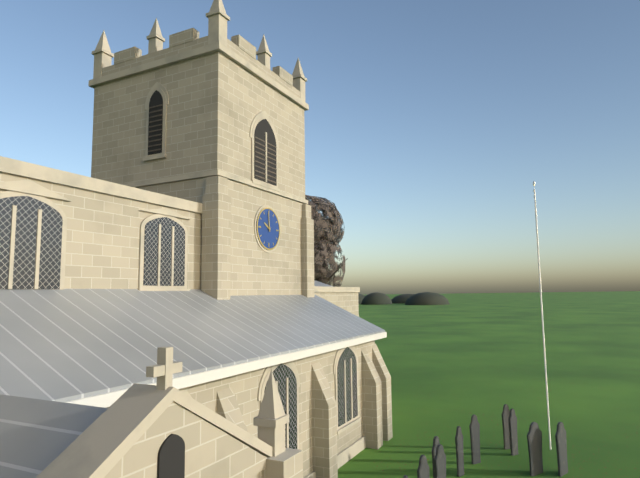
9:59
